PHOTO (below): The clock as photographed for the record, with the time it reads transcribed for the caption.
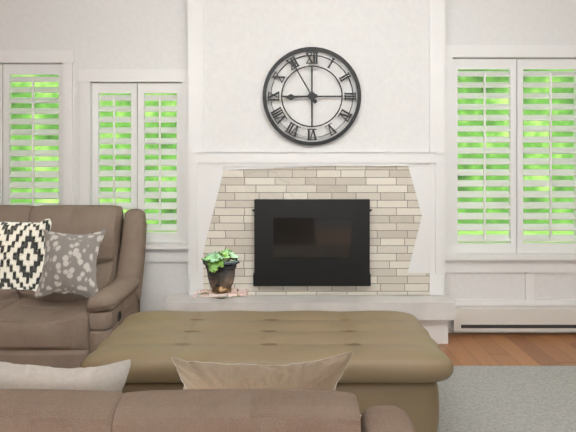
8:55
